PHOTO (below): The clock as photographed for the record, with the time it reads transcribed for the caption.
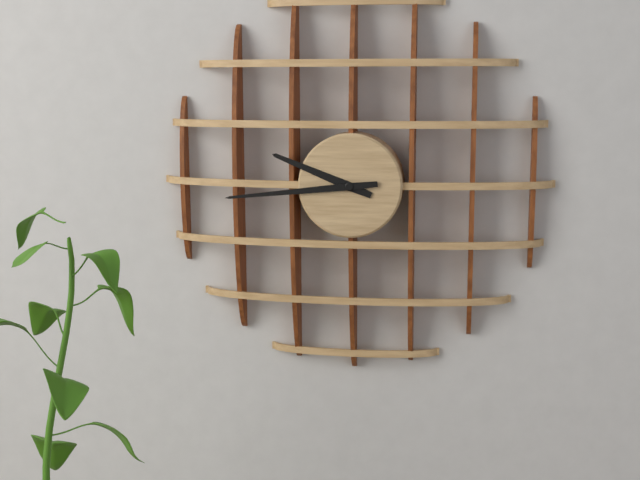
9:44
